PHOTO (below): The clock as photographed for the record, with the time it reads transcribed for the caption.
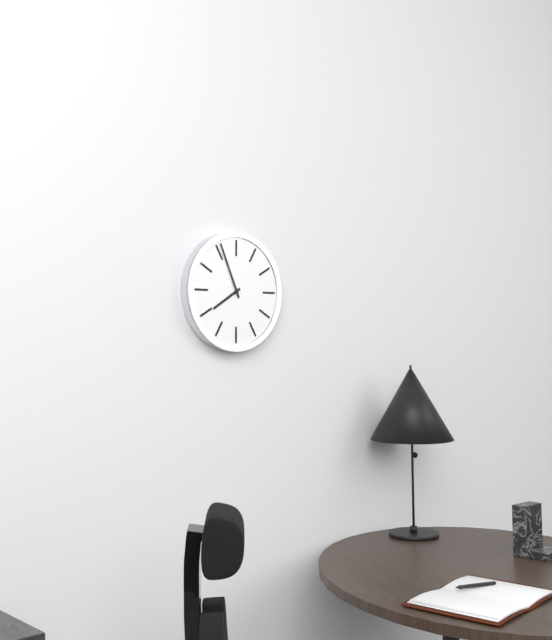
7:56
